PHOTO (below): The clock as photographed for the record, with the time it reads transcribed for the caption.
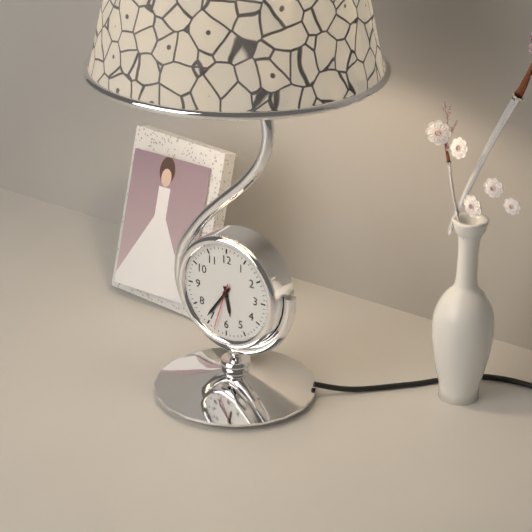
5:36
